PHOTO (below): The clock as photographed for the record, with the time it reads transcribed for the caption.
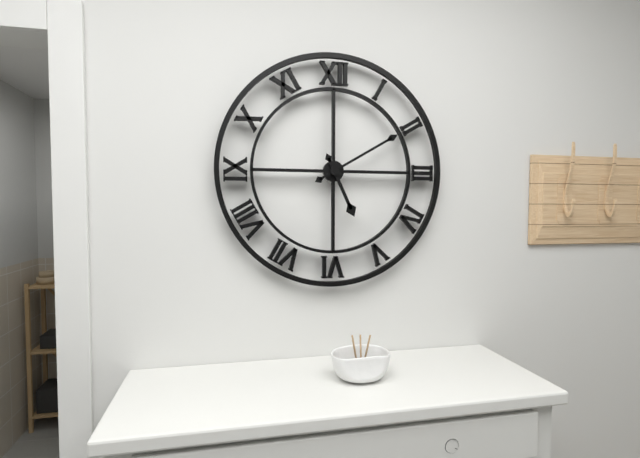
5:10
